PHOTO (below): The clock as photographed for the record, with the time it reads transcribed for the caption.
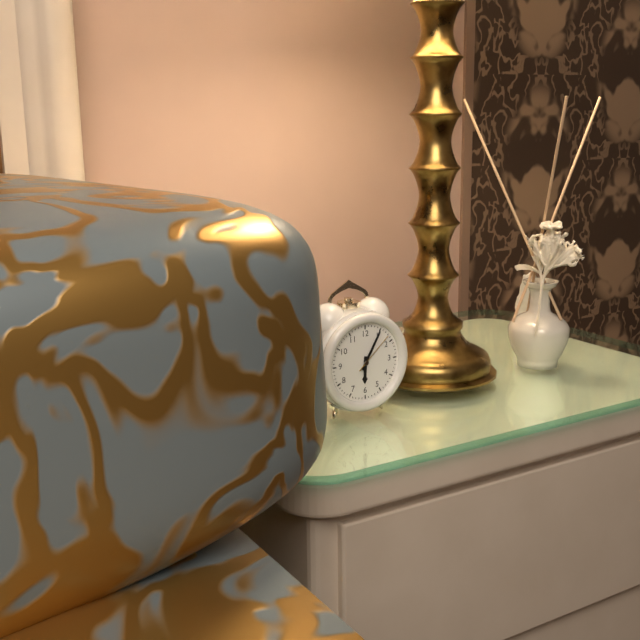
6:05
